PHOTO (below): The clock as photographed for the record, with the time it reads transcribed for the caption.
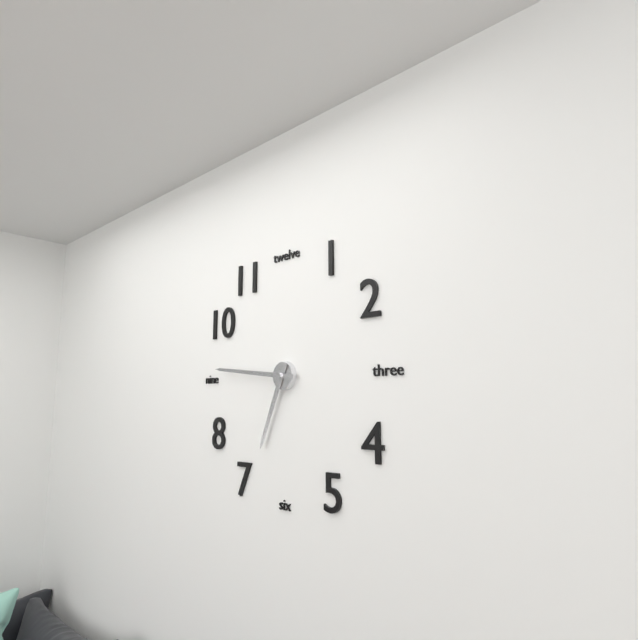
6:46
